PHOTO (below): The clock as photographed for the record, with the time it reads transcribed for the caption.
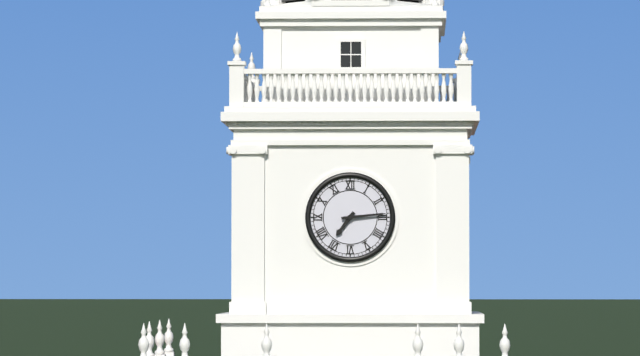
7:14
